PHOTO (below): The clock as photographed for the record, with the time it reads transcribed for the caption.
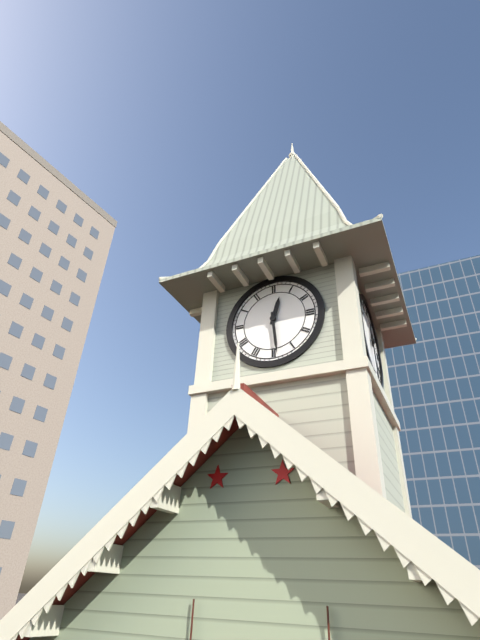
12:29
